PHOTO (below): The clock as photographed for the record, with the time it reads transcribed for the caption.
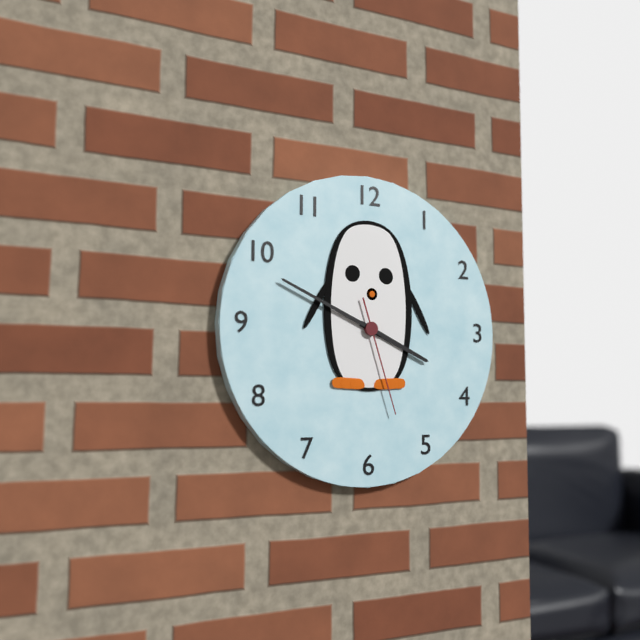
3:49:27
